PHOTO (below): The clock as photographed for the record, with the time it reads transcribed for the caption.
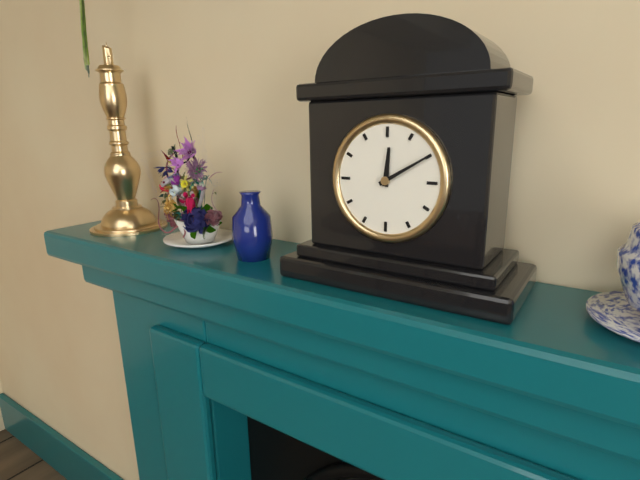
12:10
